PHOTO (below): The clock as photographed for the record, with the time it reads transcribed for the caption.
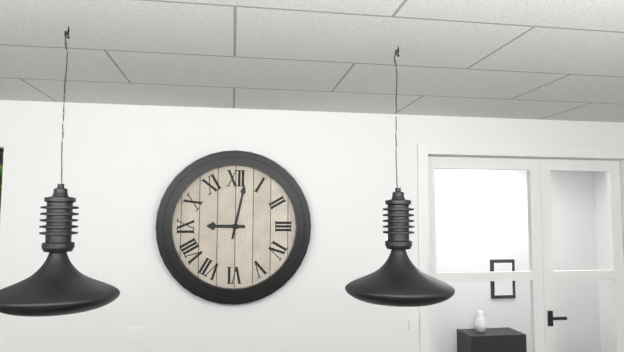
9:02
